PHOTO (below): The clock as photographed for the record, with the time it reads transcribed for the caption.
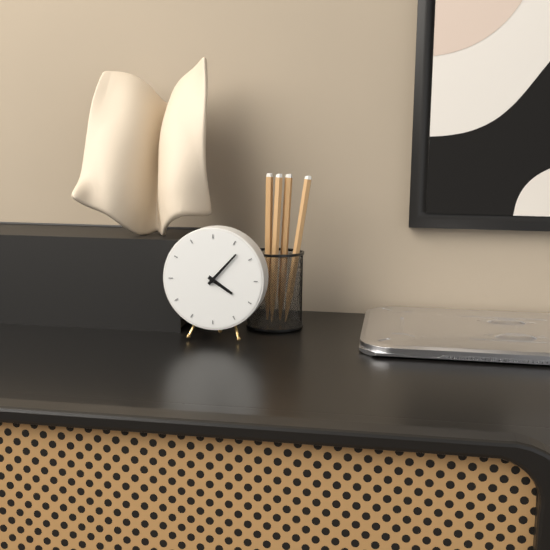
4:07
